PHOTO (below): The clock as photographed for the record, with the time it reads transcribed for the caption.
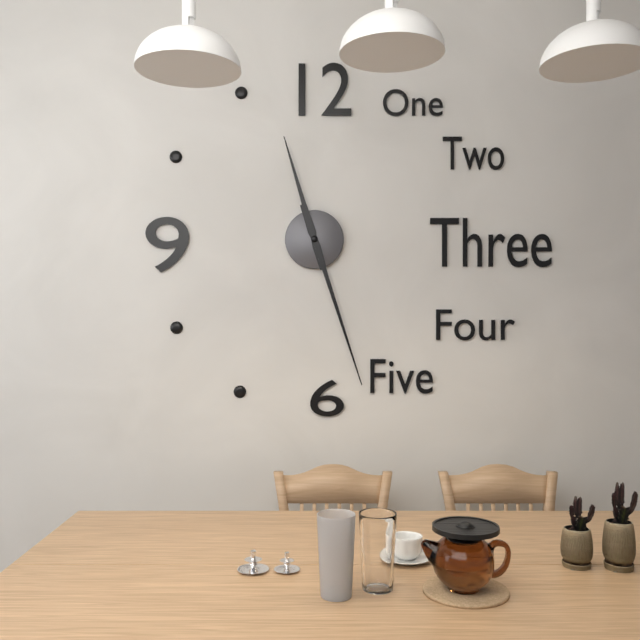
11:27
